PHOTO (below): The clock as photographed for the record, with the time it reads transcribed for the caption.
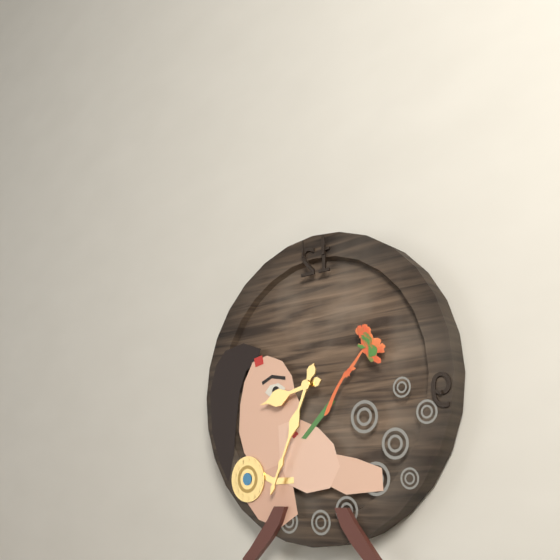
8:34
